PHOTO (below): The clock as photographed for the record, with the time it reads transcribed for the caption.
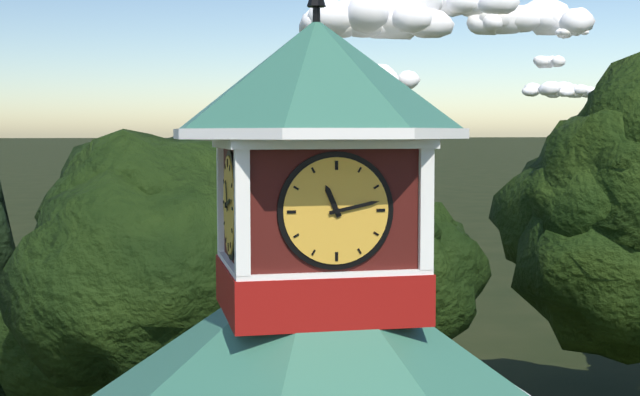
11:13
